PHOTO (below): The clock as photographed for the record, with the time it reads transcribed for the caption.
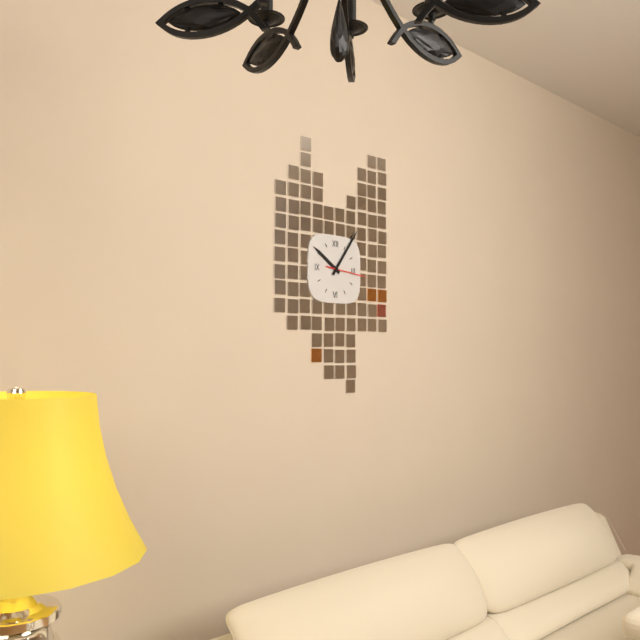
10:06
